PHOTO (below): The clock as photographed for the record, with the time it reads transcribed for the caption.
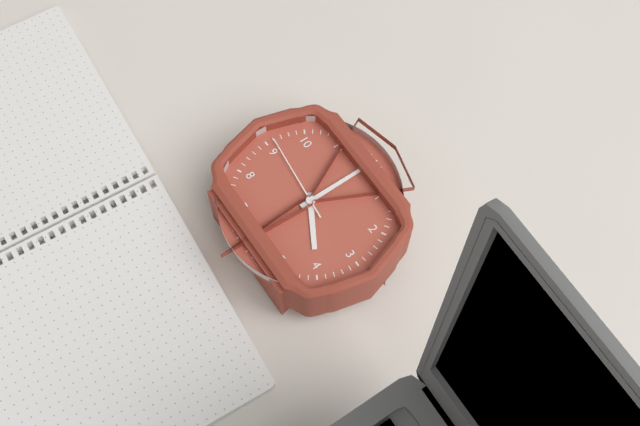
4:00:46
